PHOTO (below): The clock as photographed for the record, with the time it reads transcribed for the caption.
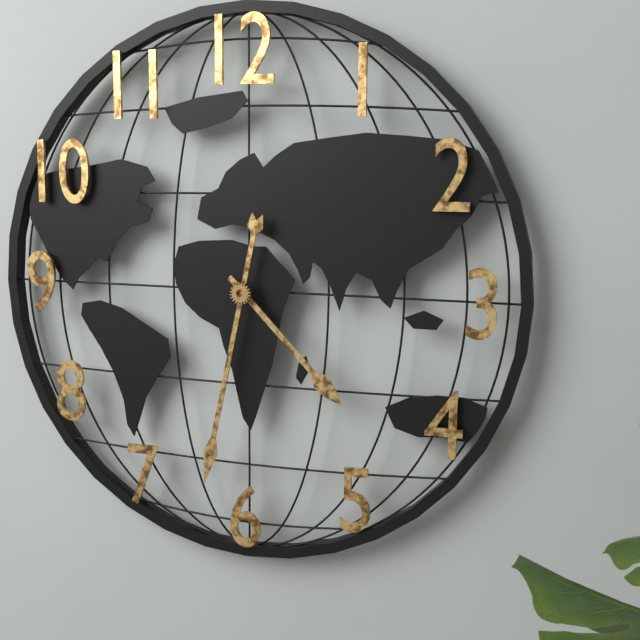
4:32
